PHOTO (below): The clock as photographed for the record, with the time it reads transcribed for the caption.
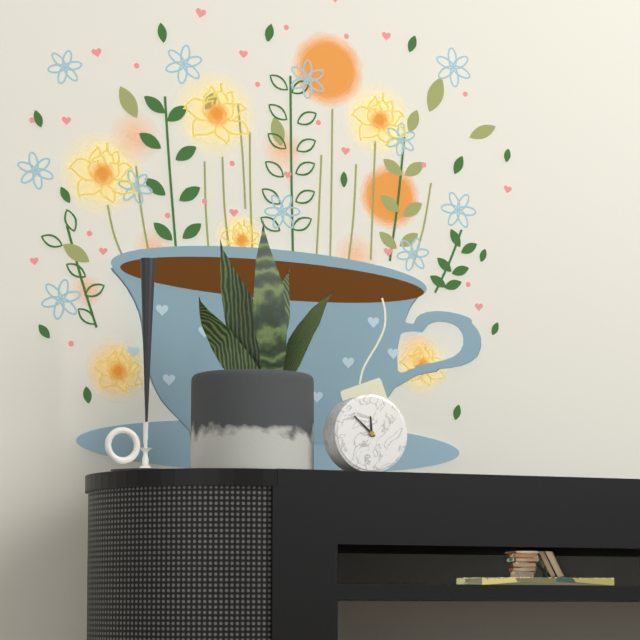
11:52
